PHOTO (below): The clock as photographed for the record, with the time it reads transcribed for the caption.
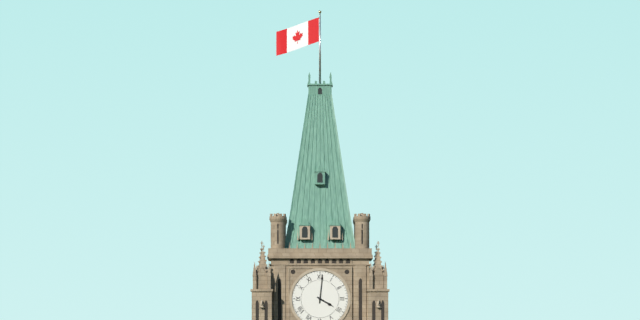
4:01
